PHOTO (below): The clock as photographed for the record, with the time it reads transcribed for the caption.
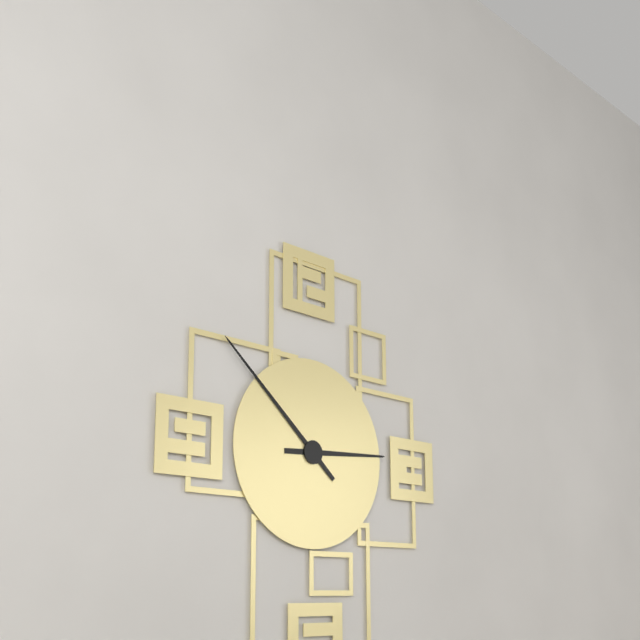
2:52
